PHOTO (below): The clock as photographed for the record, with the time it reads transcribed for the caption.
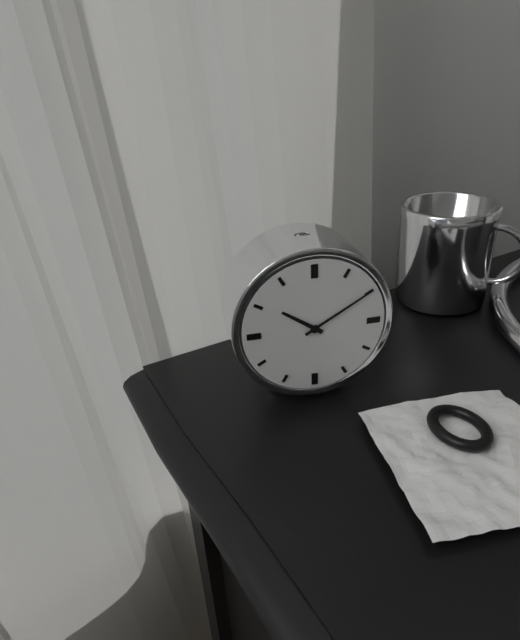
10:10
